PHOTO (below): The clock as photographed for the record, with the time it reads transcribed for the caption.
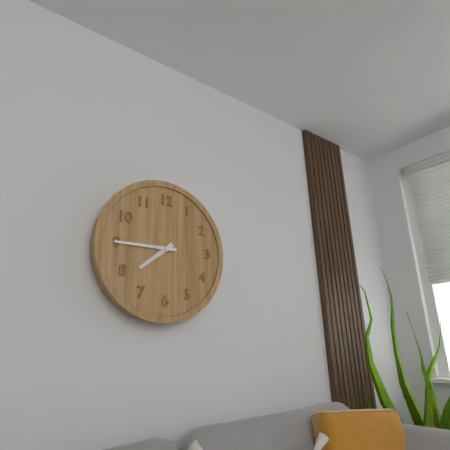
7:45
